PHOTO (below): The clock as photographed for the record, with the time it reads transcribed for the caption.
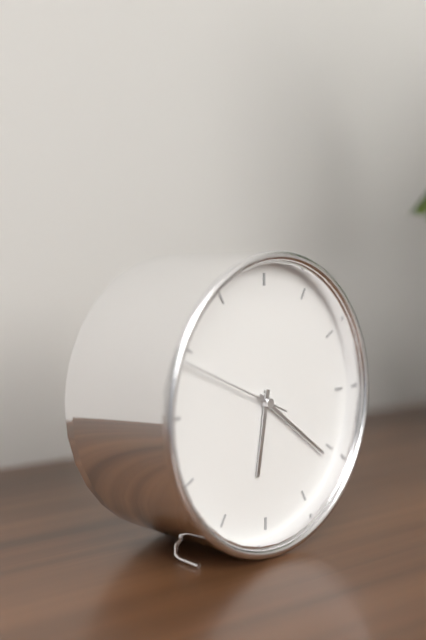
6:21:49
